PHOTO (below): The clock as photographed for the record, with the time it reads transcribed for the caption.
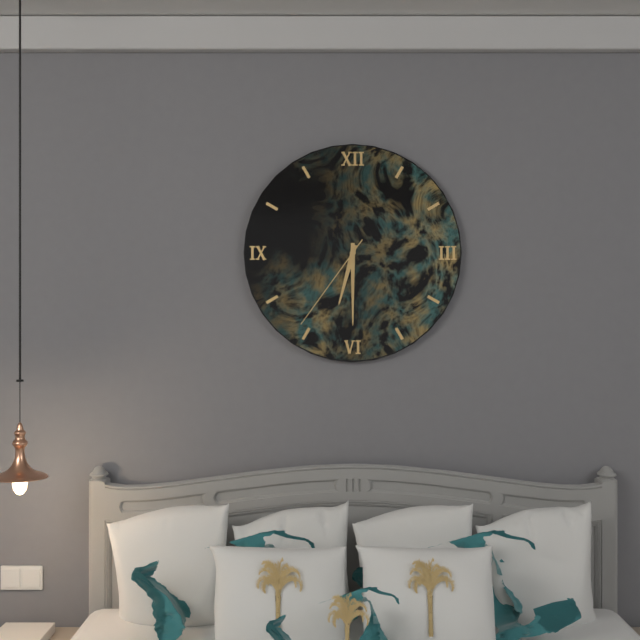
6:30:36
